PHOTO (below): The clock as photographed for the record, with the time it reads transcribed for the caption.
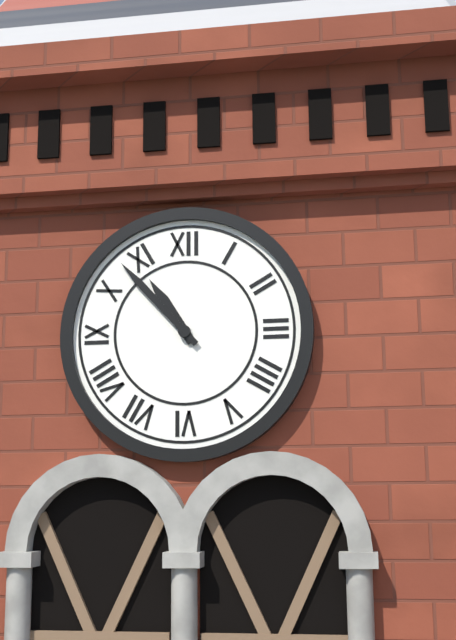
10:53
